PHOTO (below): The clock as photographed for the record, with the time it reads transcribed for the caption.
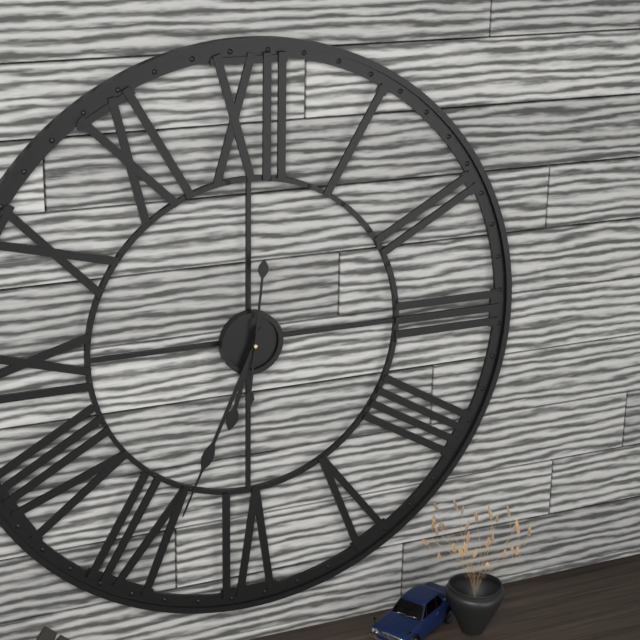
6:34:01
